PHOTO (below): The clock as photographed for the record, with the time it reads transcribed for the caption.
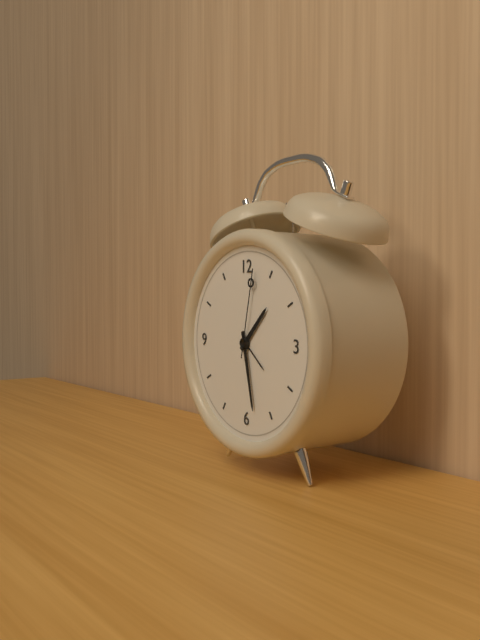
1:28:02
